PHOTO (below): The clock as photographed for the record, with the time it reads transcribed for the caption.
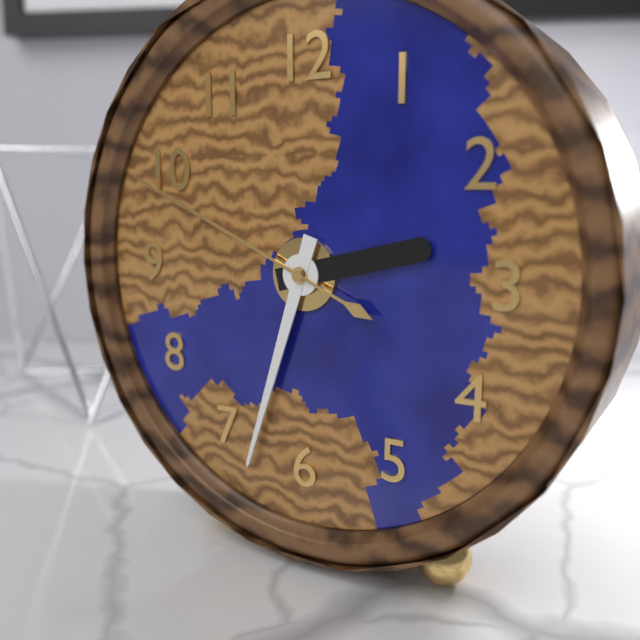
2:33:49
